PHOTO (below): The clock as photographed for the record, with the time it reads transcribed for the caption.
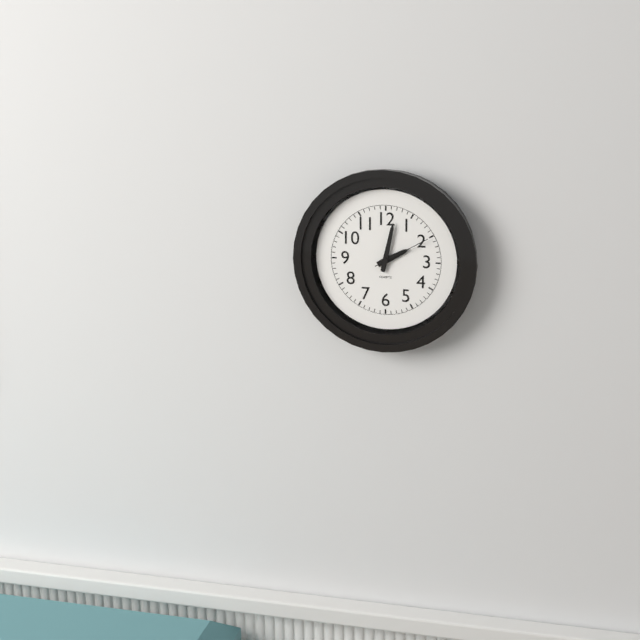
2:02:10
